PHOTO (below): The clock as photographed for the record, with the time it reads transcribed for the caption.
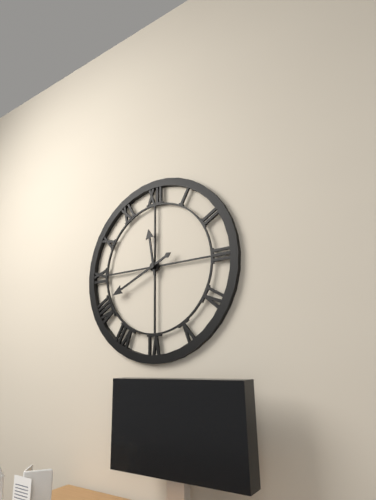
11:41
